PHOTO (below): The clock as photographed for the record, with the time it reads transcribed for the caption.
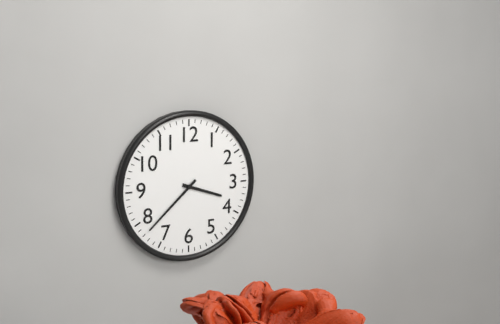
3:38
